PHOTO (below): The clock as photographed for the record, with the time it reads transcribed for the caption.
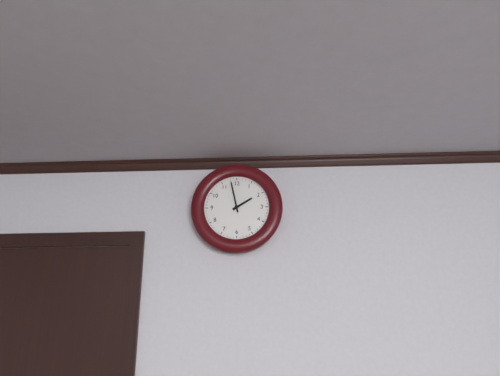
1:58
